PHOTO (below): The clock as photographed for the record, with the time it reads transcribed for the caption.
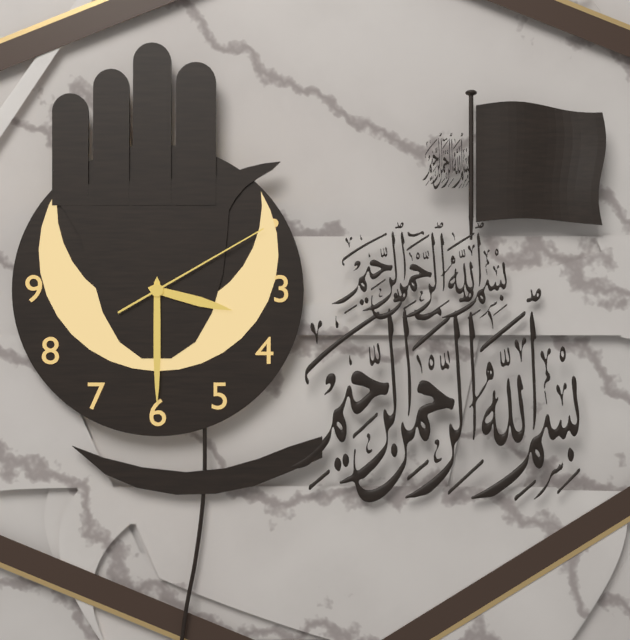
3:30:10
